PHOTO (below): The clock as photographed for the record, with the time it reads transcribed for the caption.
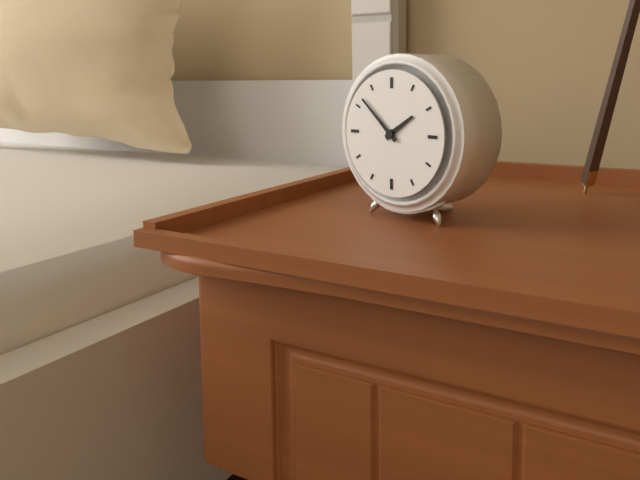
1:52
